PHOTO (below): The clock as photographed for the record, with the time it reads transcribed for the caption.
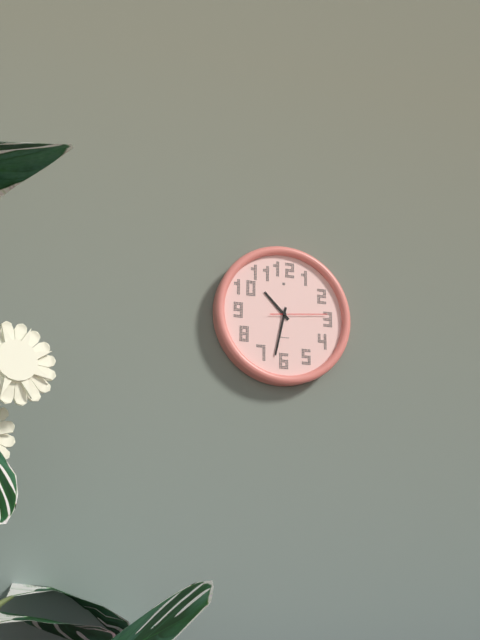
10:32:14
